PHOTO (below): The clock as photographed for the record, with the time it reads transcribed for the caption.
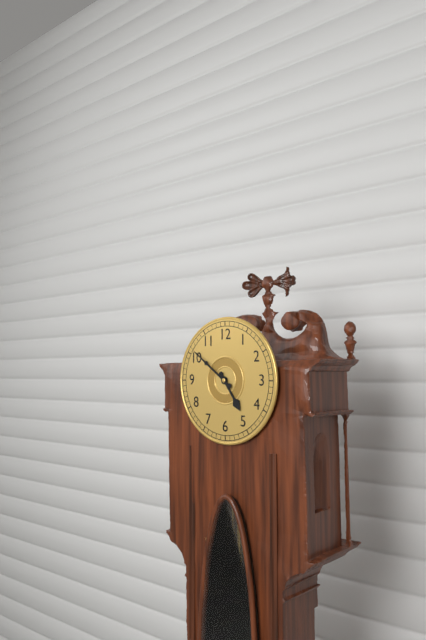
4:51
